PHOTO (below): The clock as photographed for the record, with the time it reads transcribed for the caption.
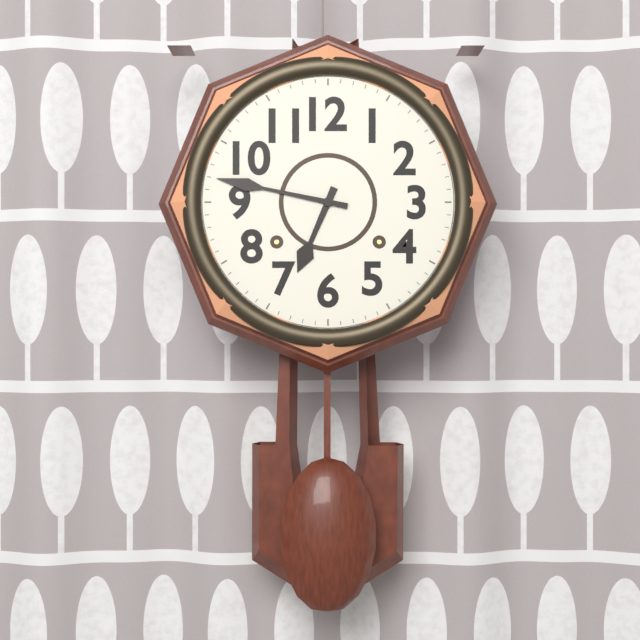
6:47
